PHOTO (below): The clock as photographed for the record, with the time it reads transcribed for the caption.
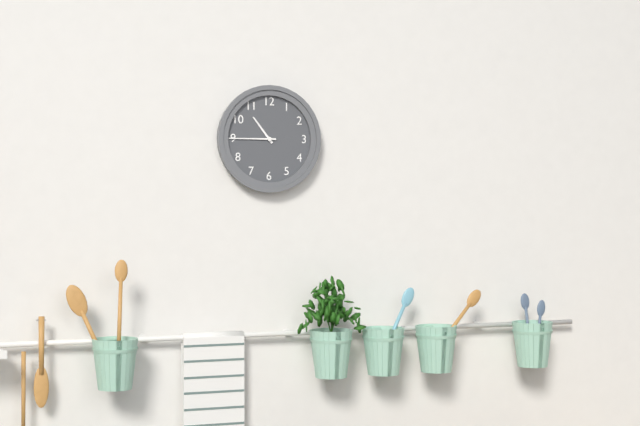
10:45
